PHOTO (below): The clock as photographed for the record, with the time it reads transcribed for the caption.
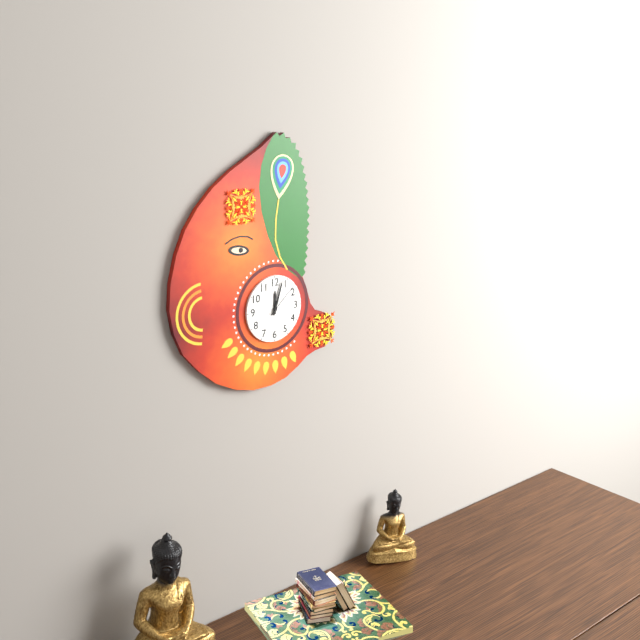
12:03
